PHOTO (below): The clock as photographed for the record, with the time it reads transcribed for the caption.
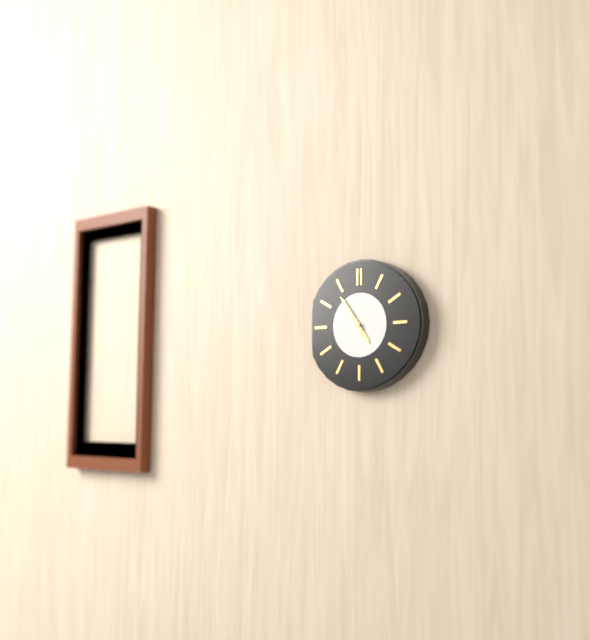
4:54
